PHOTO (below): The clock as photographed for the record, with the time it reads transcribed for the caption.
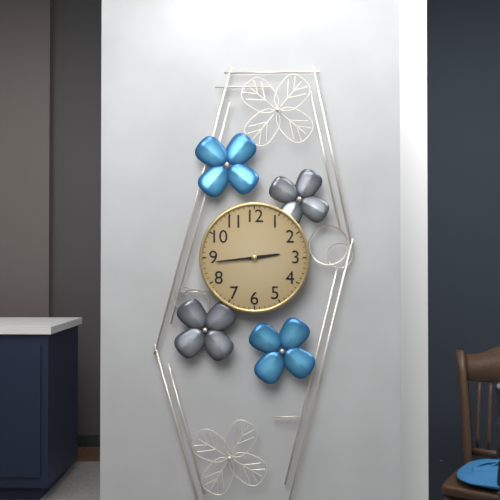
2:44
